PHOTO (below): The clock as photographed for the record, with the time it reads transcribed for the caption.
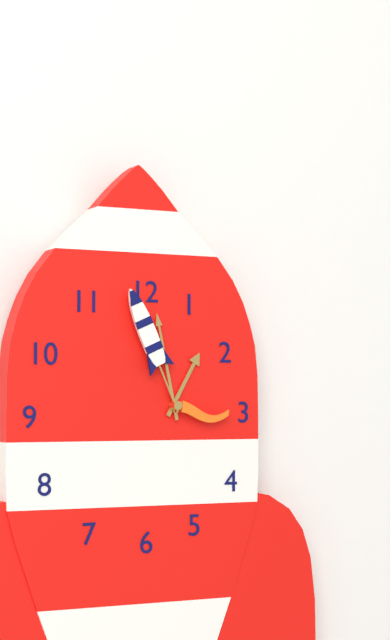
12:58:56
